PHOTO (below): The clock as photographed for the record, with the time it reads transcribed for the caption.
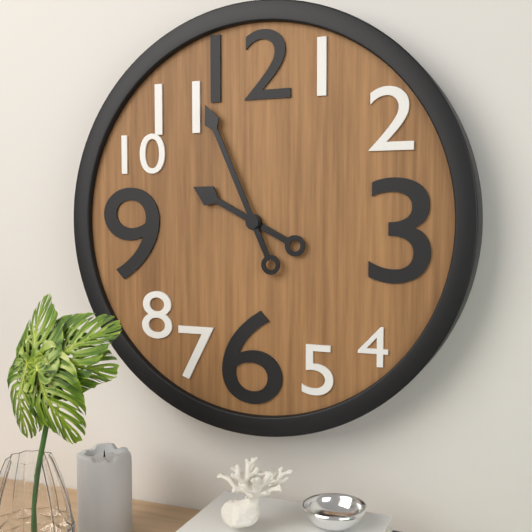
9:56
